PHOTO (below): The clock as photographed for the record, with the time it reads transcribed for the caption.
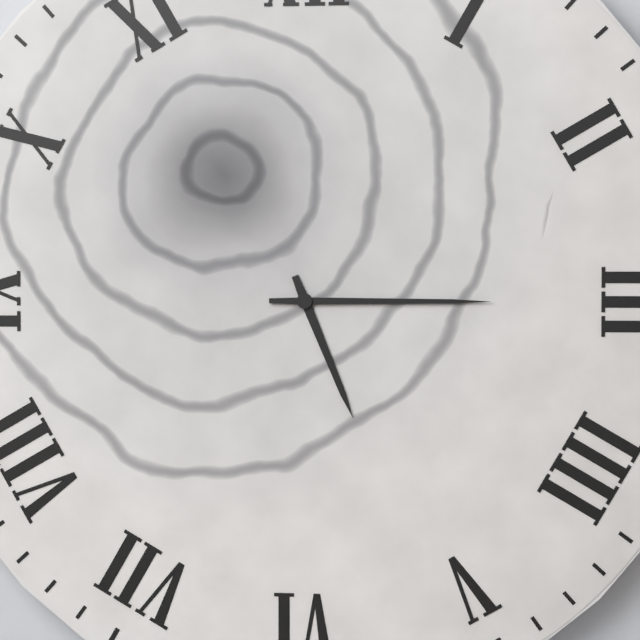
5:15
